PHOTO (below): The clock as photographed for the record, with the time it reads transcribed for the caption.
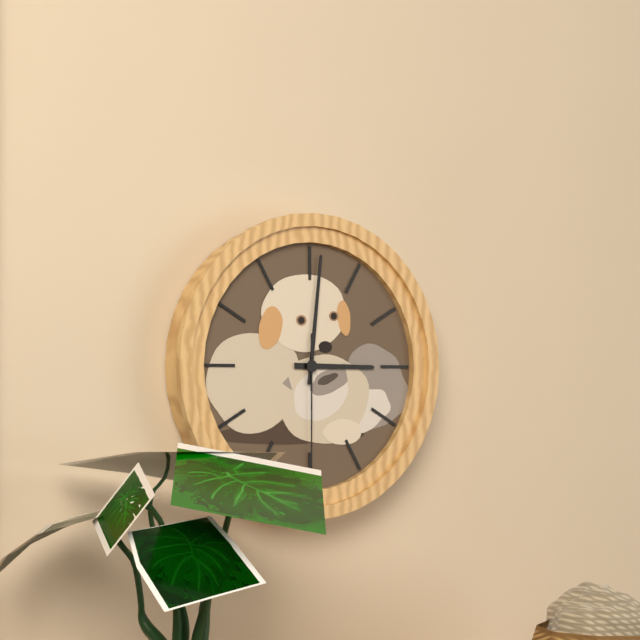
3:01:30
